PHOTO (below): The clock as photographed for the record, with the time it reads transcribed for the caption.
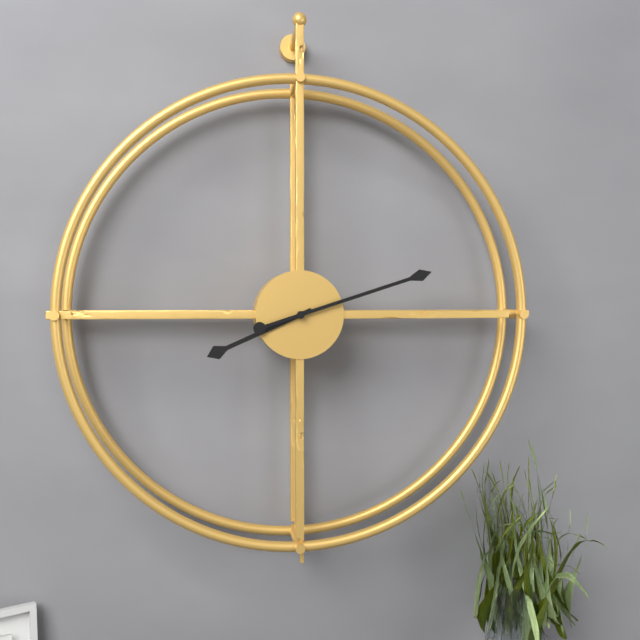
8:12
